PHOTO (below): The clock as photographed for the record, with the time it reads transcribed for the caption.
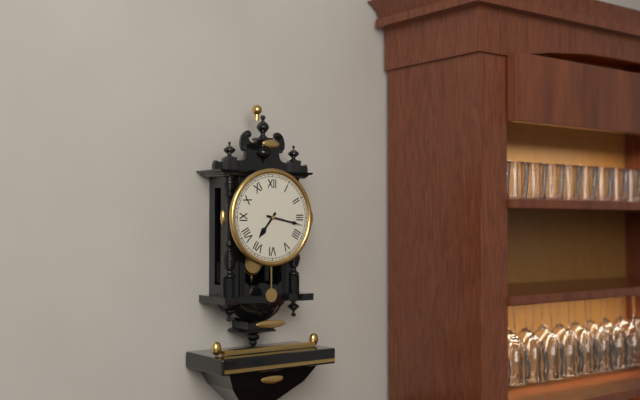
7:17
